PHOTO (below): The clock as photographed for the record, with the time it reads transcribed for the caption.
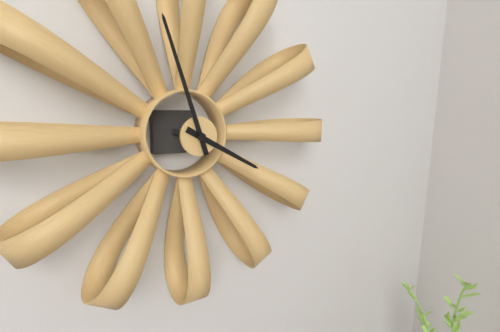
3:57
